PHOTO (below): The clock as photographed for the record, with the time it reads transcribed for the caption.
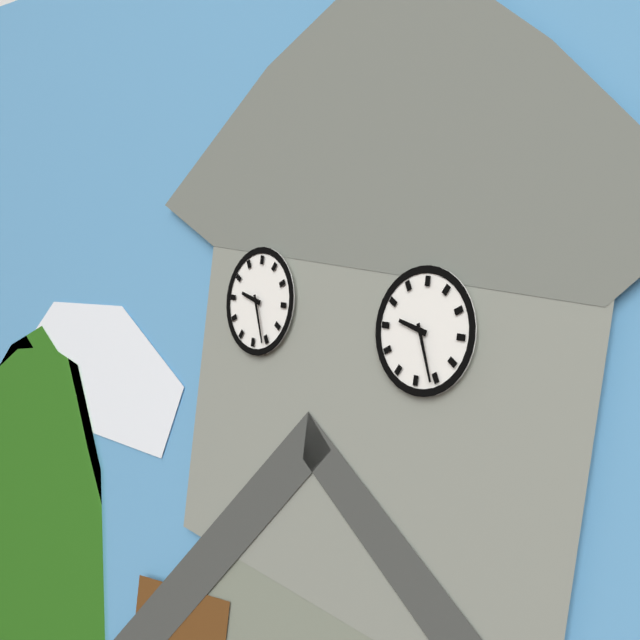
9:26
